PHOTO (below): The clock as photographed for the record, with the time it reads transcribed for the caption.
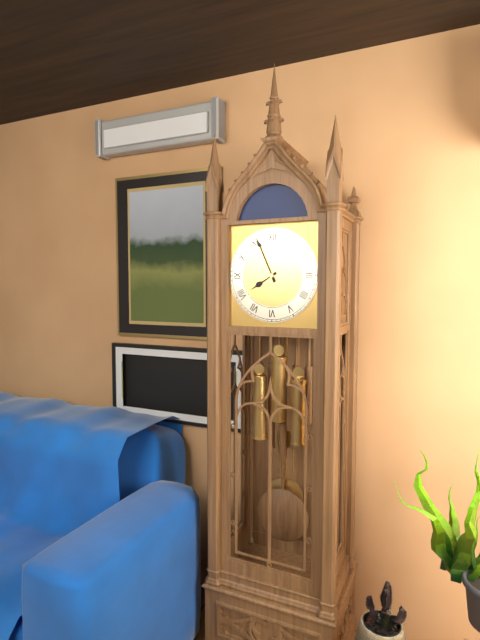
7:56
